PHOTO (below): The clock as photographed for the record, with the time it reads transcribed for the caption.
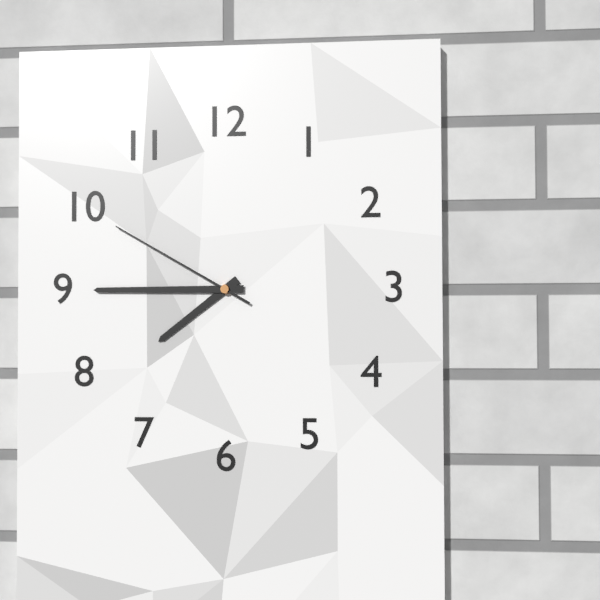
7:45:50
